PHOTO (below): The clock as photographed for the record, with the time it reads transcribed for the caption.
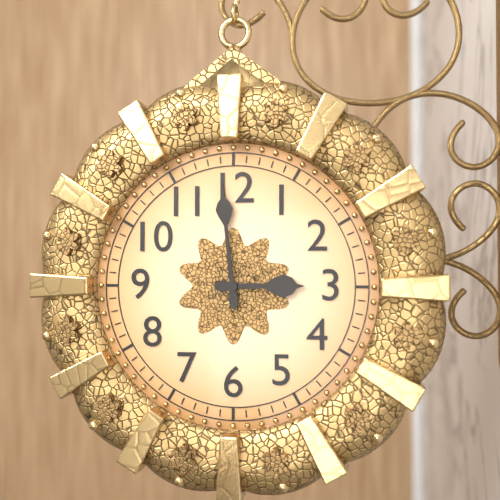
2:59
